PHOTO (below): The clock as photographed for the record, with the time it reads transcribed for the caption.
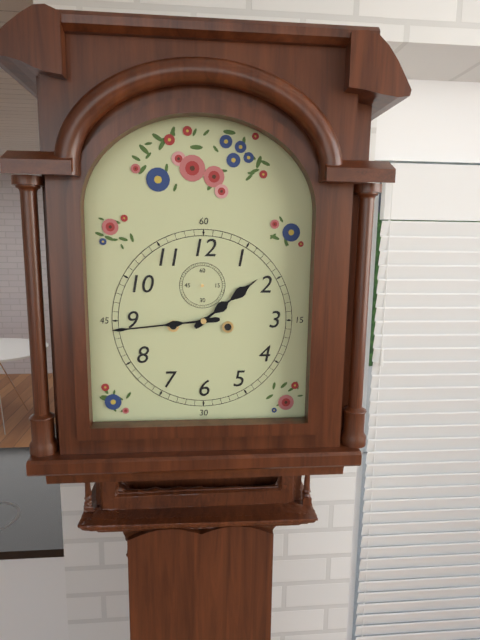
1:44
